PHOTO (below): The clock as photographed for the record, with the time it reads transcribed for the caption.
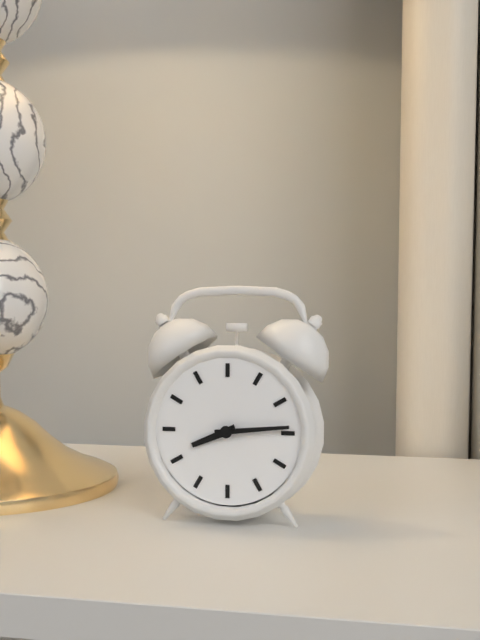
8:14
